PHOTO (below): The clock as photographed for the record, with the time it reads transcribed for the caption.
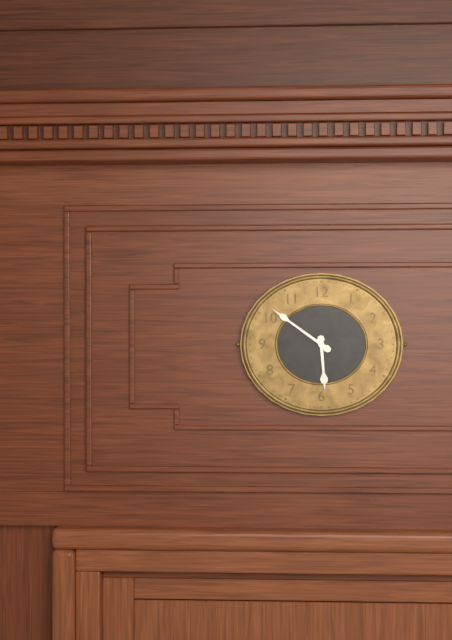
5:51
